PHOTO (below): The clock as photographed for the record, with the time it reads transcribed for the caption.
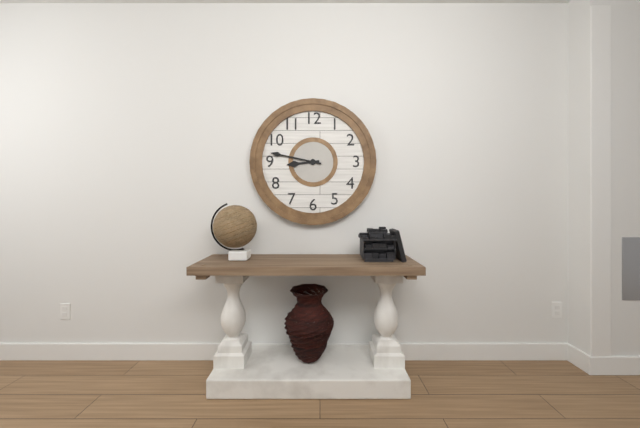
8:47
